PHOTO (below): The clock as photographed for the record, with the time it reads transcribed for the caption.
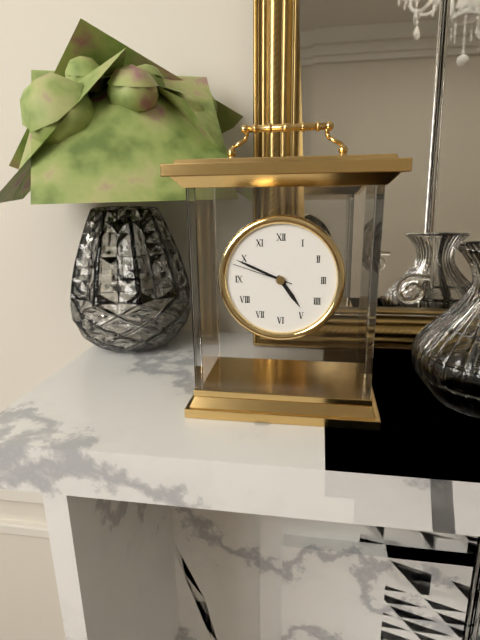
4:49:48
